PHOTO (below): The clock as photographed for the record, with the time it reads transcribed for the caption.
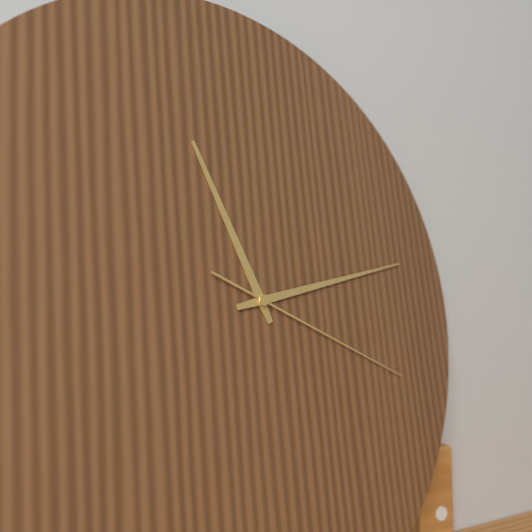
11:13:19
